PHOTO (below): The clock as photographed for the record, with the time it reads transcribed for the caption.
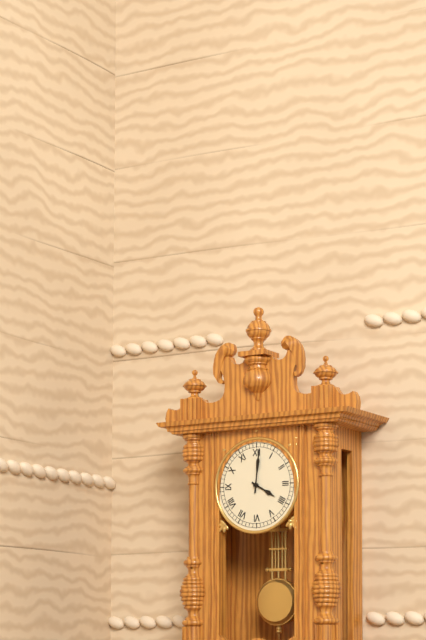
4:01
